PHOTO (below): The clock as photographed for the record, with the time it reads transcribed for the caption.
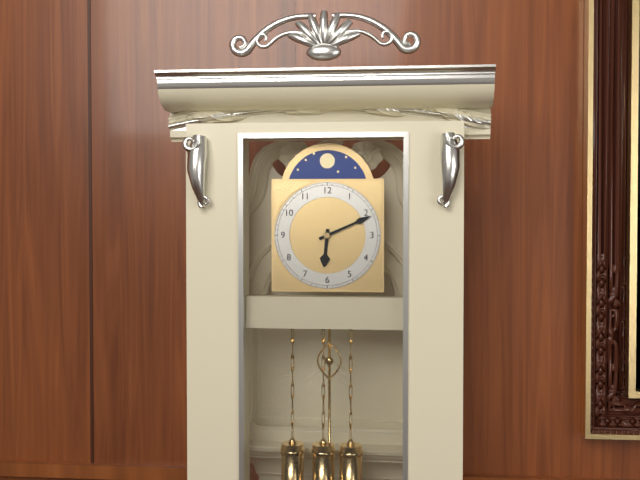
6:11
